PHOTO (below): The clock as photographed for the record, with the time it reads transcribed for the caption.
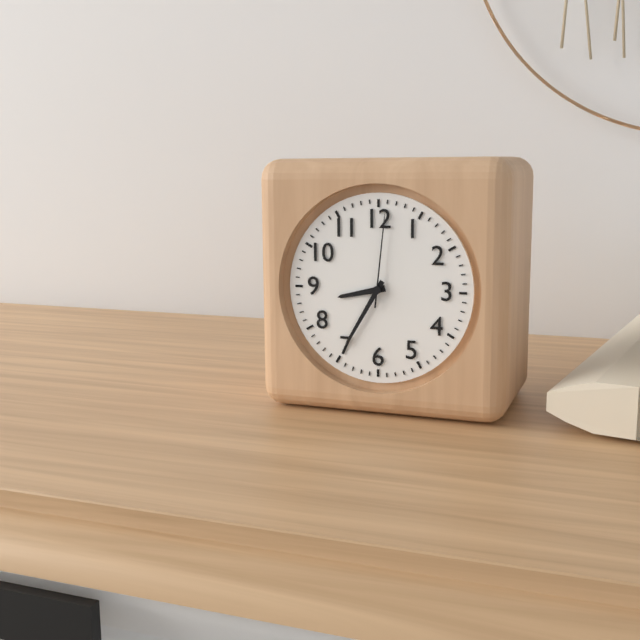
8:35:01
